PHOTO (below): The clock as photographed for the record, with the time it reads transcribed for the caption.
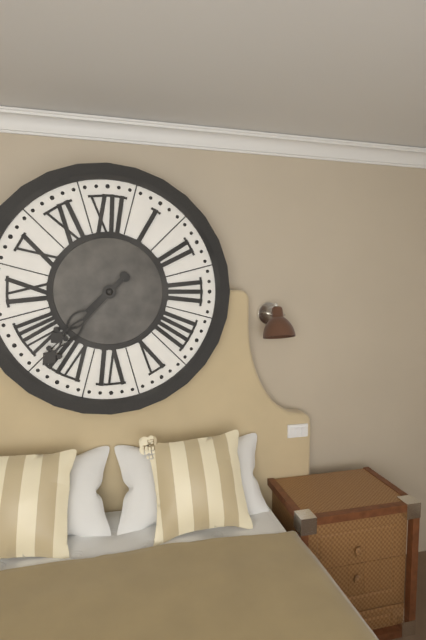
7:37
